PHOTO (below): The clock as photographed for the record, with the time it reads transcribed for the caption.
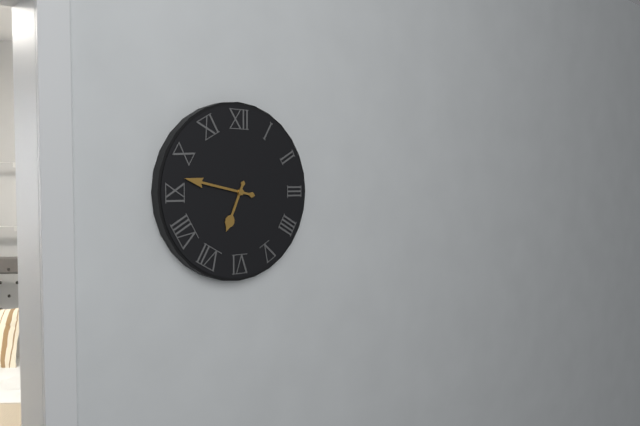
6:47
